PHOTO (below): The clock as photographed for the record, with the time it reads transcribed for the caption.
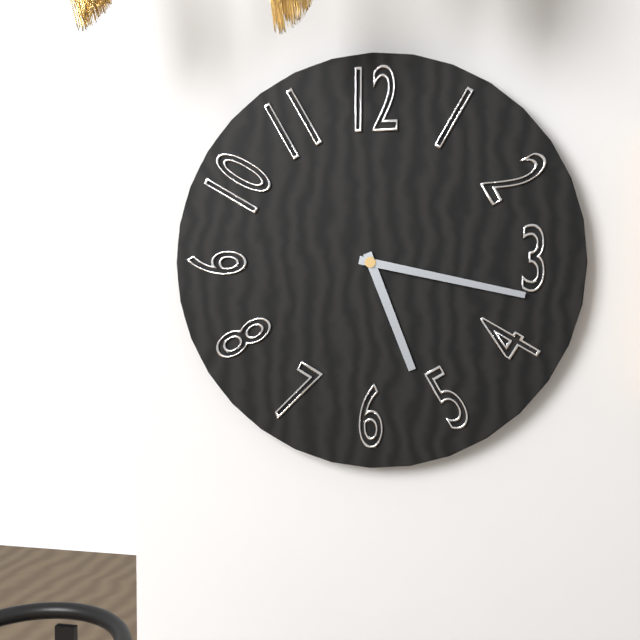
5:17
